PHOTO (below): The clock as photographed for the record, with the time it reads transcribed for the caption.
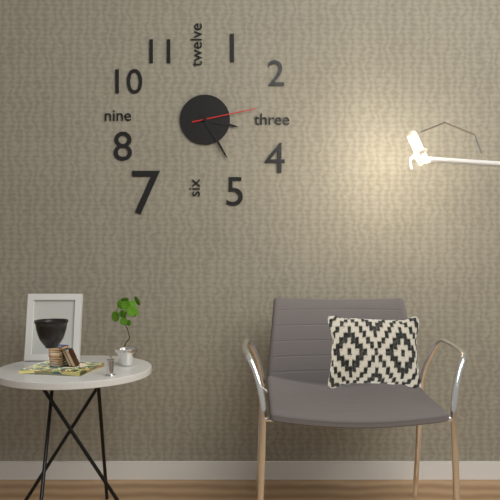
3:25:13
